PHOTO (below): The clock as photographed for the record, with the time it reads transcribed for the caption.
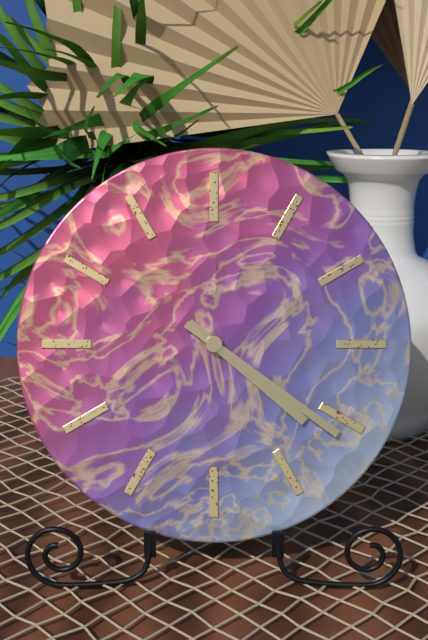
4:21
